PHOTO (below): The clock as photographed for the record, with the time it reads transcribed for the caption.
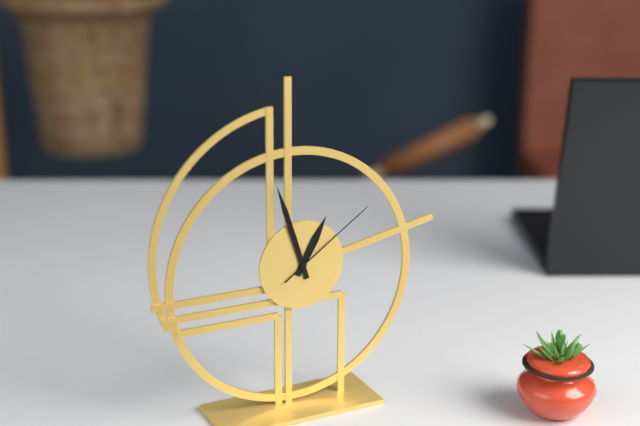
12:57:09
